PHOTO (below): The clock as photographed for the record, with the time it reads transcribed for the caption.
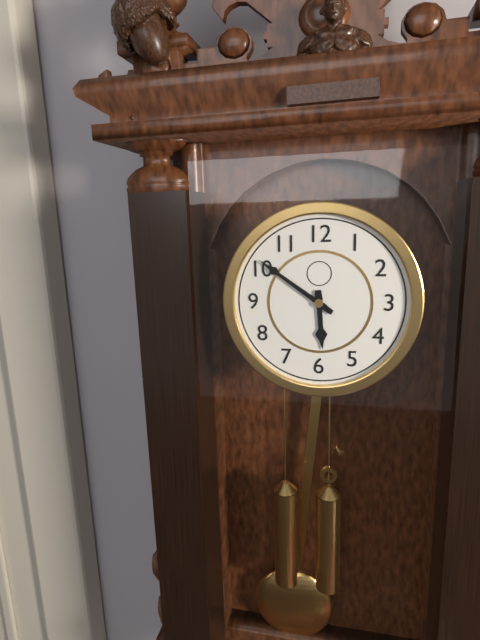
5:51
